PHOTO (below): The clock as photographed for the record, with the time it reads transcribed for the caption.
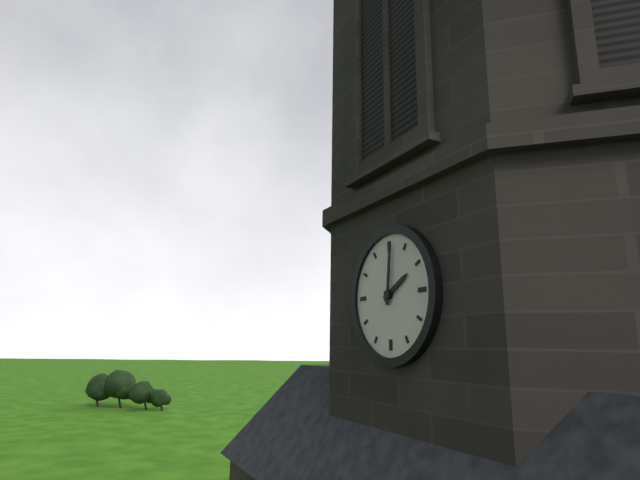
2:01
